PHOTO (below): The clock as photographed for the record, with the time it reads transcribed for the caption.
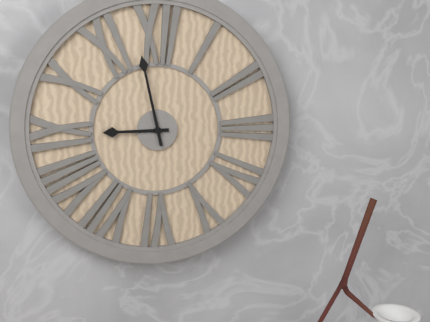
8:58
